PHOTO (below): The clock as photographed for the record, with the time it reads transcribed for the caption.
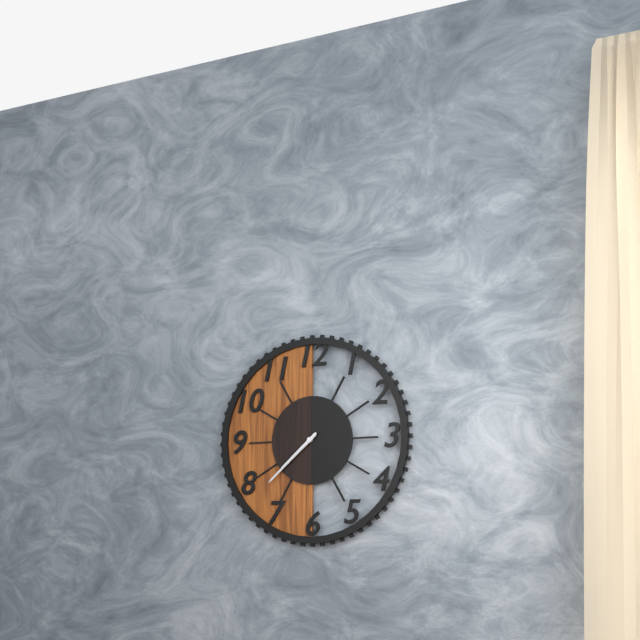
7:38
